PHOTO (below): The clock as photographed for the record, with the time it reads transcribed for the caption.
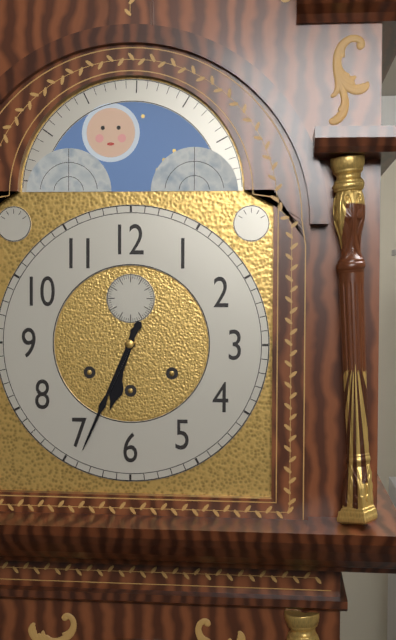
6:34
